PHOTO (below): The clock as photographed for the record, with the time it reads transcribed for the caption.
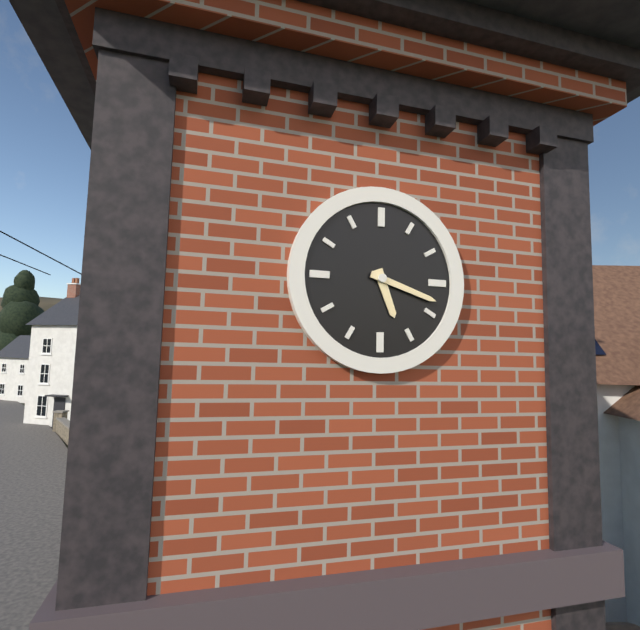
5:18
